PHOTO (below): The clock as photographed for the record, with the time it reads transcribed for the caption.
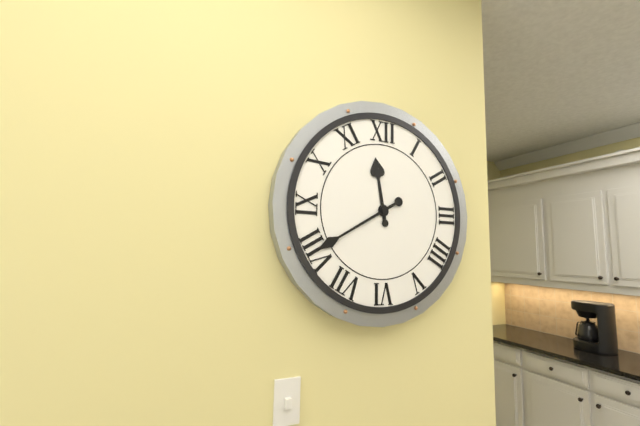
11:40
